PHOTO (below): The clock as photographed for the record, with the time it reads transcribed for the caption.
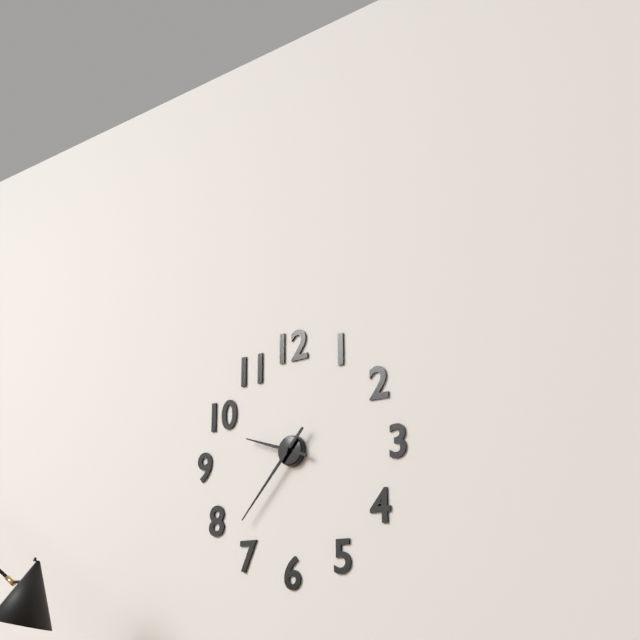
9:37
